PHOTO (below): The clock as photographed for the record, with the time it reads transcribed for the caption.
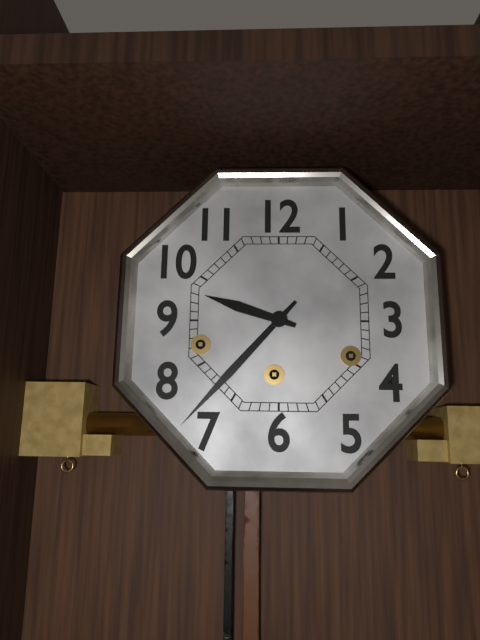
9:37
